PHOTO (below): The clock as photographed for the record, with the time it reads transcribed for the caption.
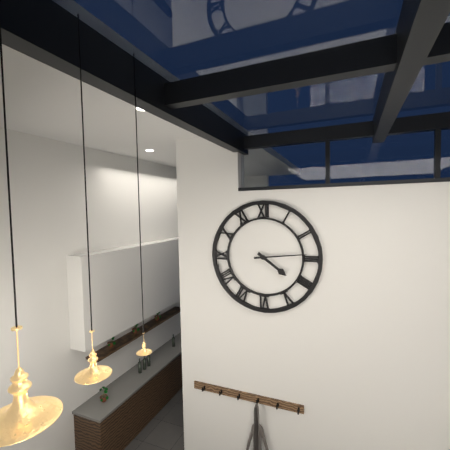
4:14
